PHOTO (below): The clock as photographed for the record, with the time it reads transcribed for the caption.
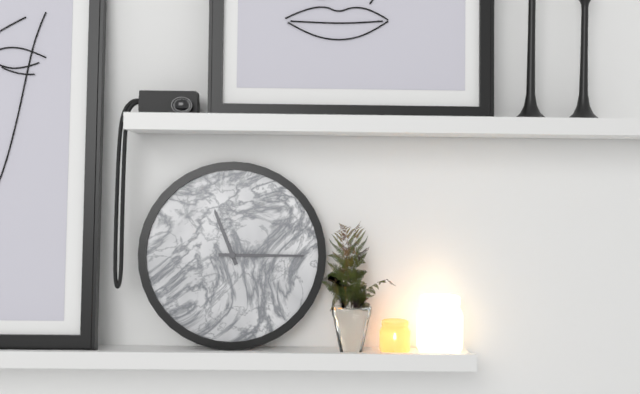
11:15
